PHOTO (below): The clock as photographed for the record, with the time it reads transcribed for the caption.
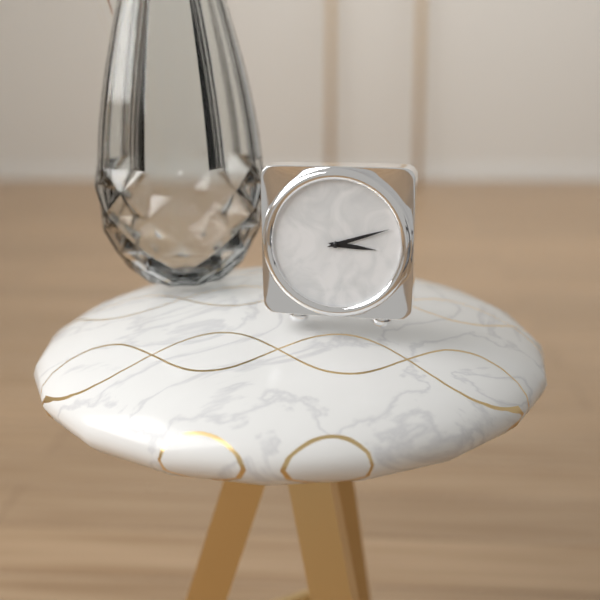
3:12
